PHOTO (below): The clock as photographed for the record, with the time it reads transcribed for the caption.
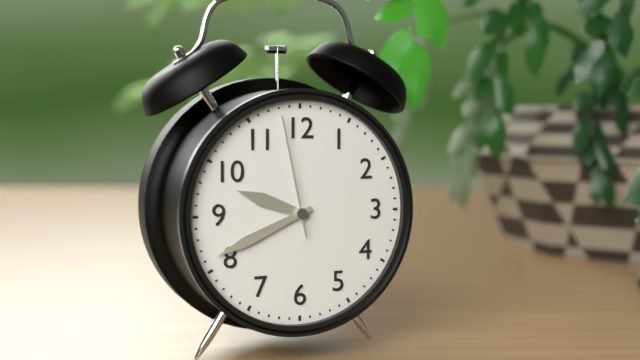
9:41:58
